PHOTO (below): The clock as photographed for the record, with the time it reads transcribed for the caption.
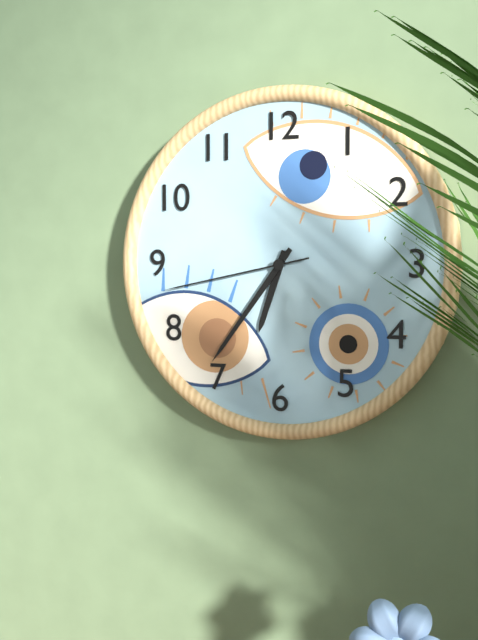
6:36:43
